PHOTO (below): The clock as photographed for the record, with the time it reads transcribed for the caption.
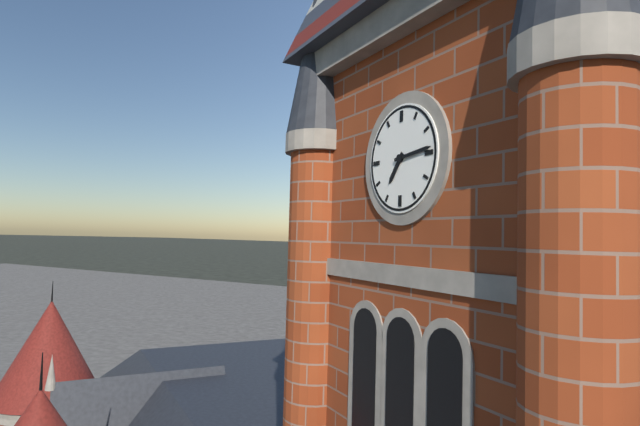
7:14
